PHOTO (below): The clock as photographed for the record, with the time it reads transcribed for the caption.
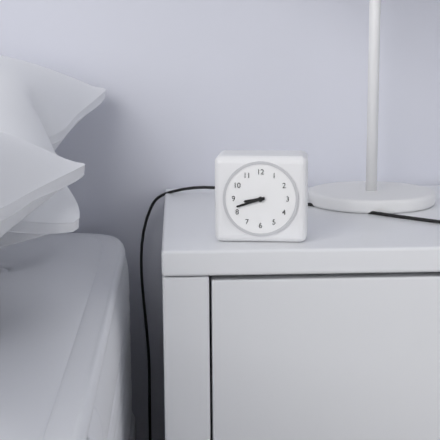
8:42
